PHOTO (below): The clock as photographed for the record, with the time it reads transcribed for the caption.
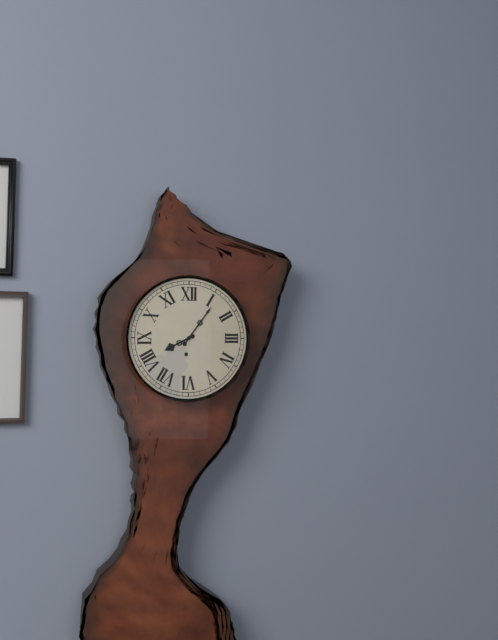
8:06
